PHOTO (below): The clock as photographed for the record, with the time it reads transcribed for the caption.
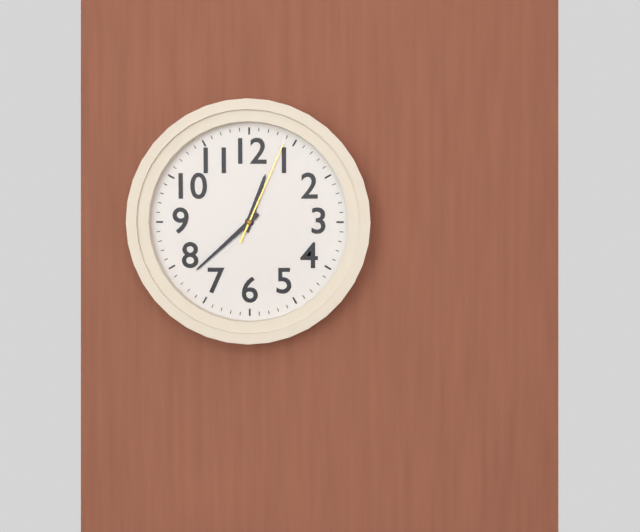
12:38:04
